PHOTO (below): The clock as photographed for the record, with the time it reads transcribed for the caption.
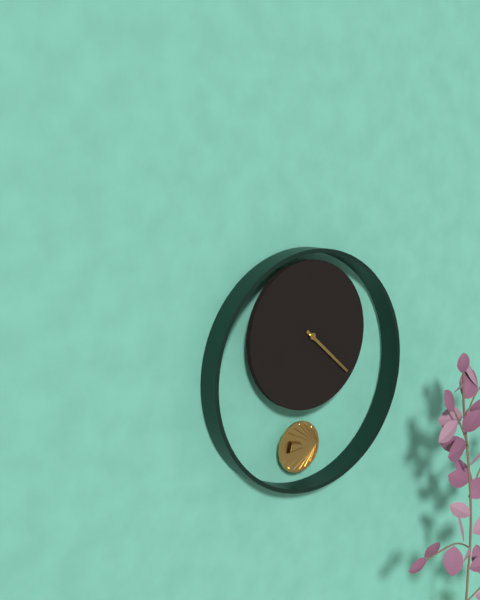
4:22
